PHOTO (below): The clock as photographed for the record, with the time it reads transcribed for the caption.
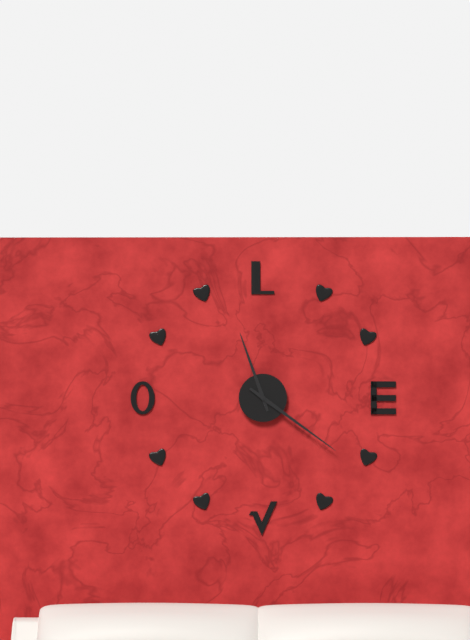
11:21
